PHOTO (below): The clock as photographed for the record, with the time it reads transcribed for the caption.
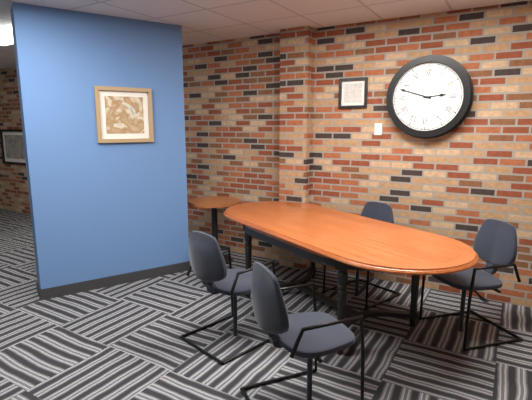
2:48
